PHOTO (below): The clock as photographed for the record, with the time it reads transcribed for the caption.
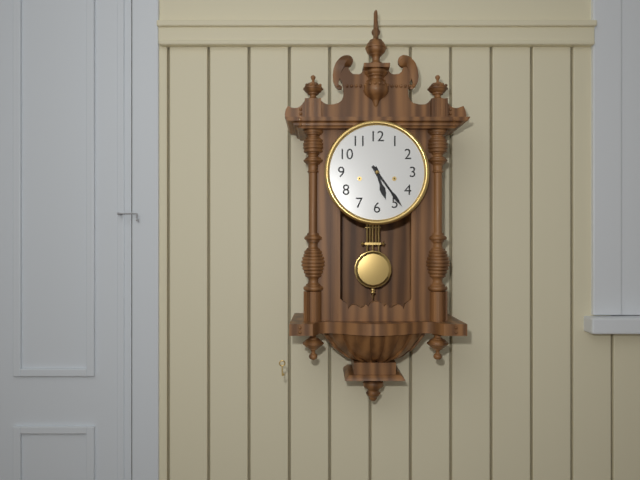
5:24
